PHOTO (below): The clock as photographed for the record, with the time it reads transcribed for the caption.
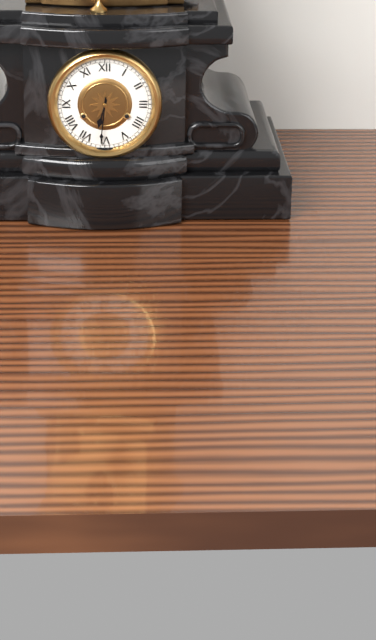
6:31
